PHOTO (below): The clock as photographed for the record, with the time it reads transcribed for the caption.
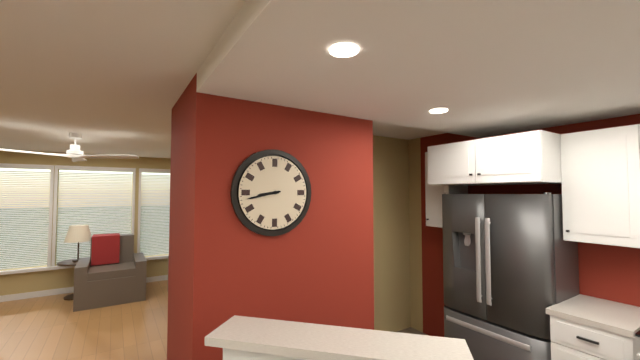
8:43
